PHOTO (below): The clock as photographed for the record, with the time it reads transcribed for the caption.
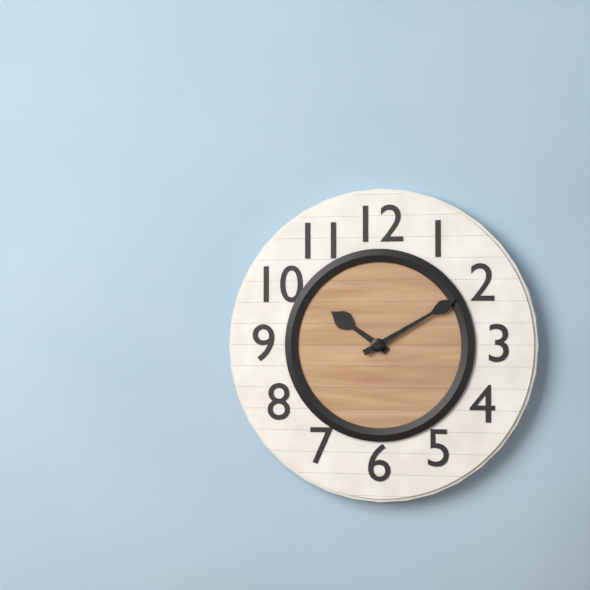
10:10
